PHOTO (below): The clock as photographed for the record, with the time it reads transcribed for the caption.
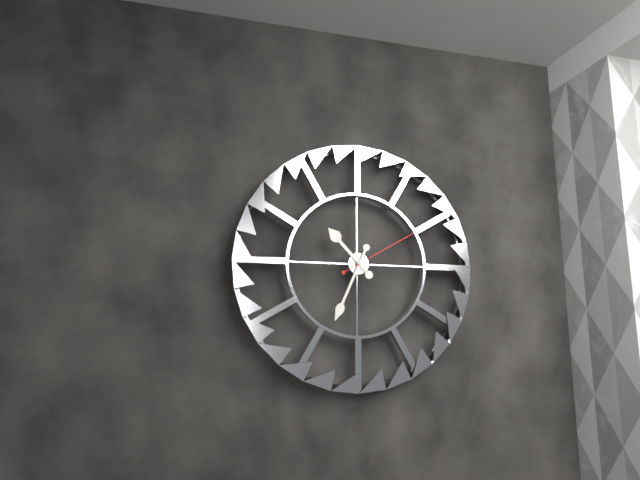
10:34:10
